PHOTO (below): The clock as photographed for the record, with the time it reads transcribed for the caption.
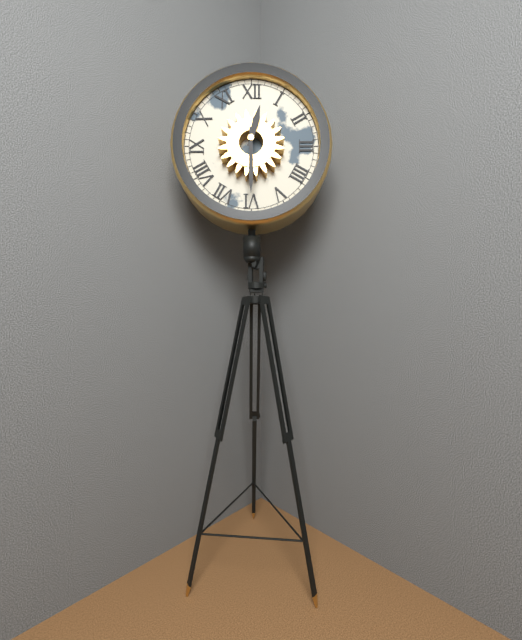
12:30
